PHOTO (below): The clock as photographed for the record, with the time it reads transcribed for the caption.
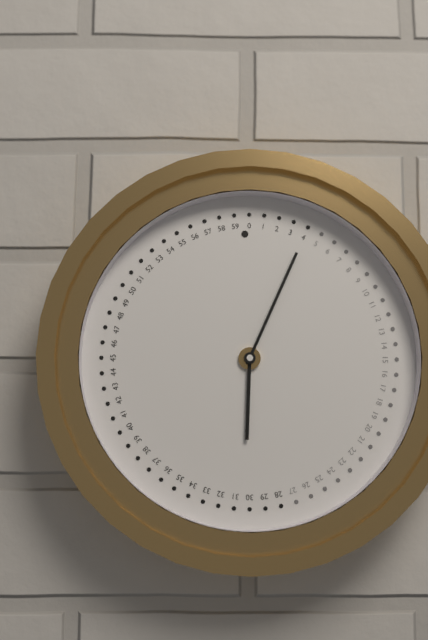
6:04
